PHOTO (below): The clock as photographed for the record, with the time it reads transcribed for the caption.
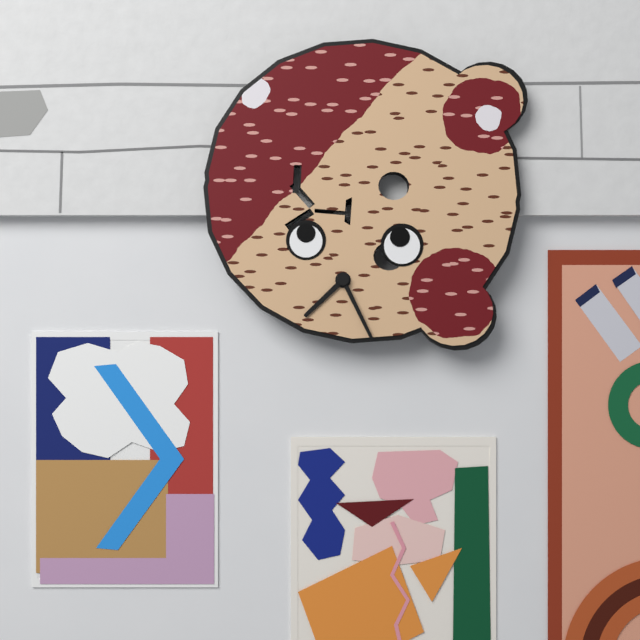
7:25
